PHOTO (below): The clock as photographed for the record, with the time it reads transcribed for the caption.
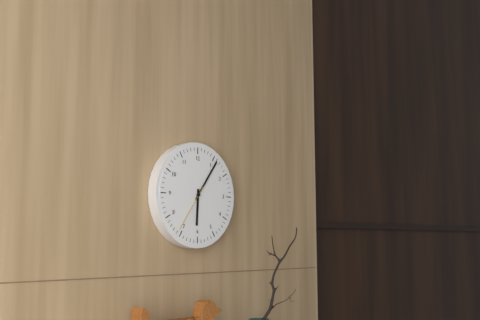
6:06
